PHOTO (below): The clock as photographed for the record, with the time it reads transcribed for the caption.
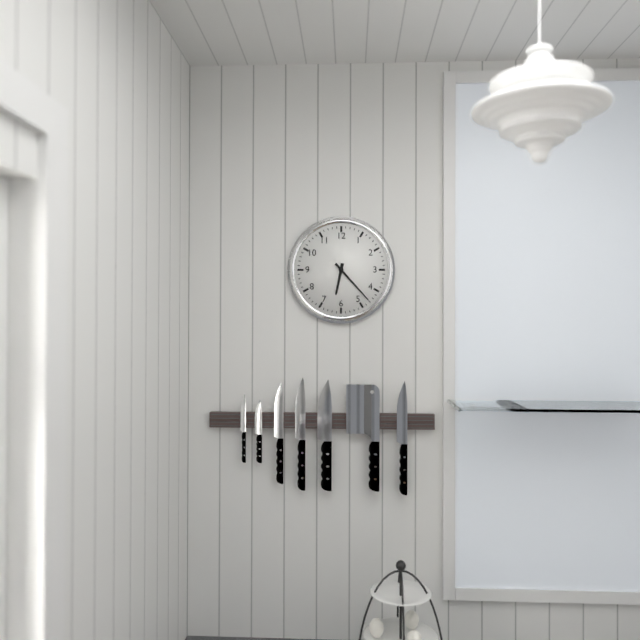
6:23
